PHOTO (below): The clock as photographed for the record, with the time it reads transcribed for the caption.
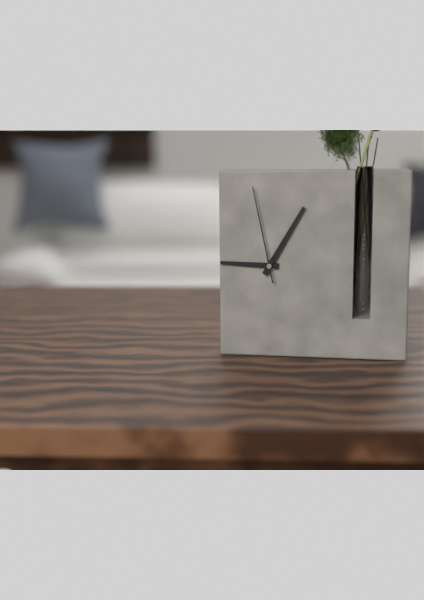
9:05:58
